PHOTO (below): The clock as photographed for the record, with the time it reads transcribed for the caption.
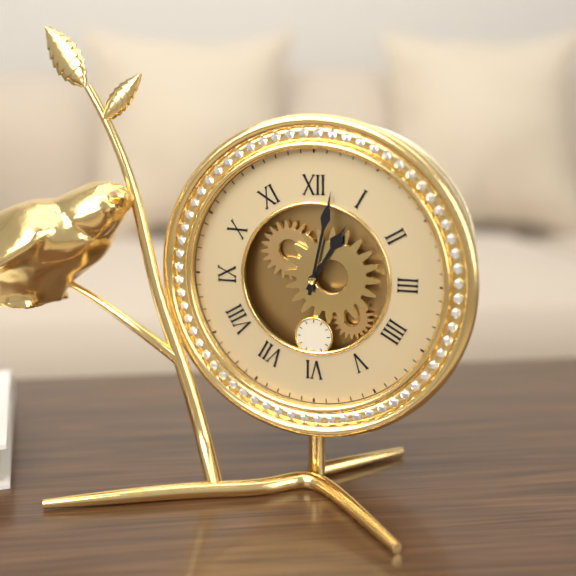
1:02
